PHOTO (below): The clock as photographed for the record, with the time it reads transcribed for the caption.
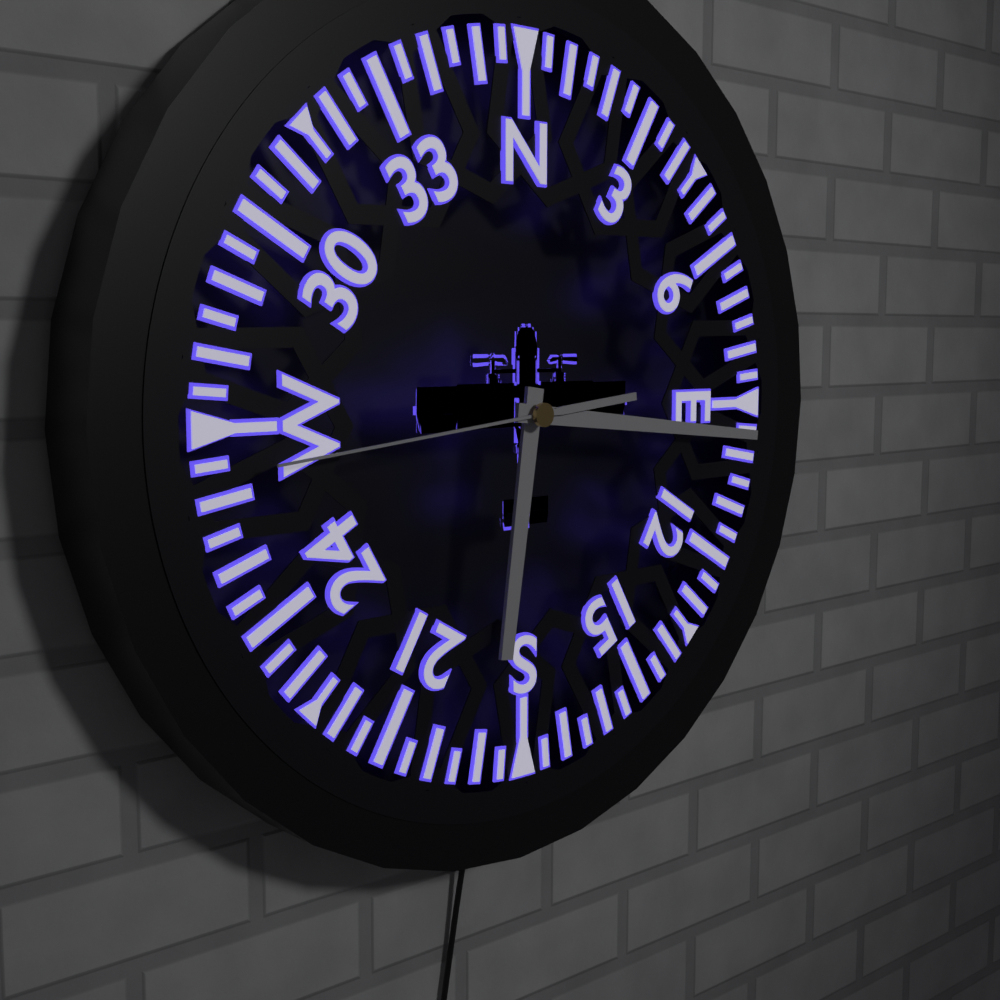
6:16:44
